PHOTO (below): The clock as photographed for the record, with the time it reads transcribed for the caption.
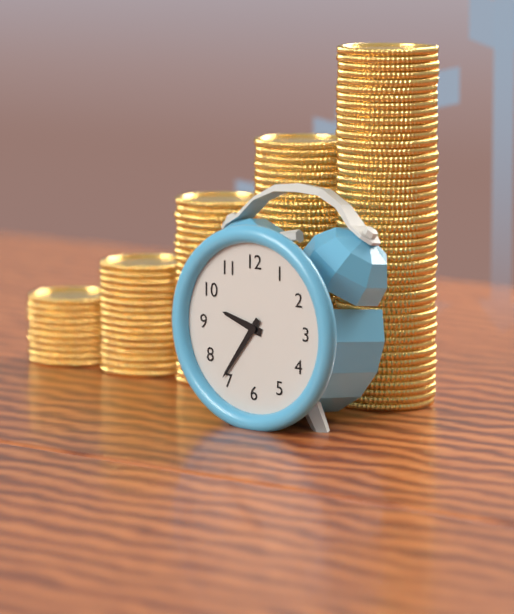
9:36
